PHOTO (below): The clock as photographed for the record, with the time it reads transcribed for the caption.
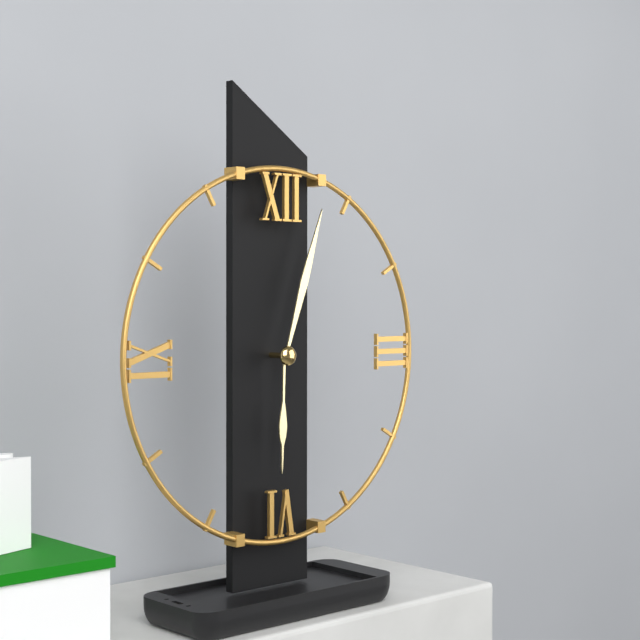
6:03
